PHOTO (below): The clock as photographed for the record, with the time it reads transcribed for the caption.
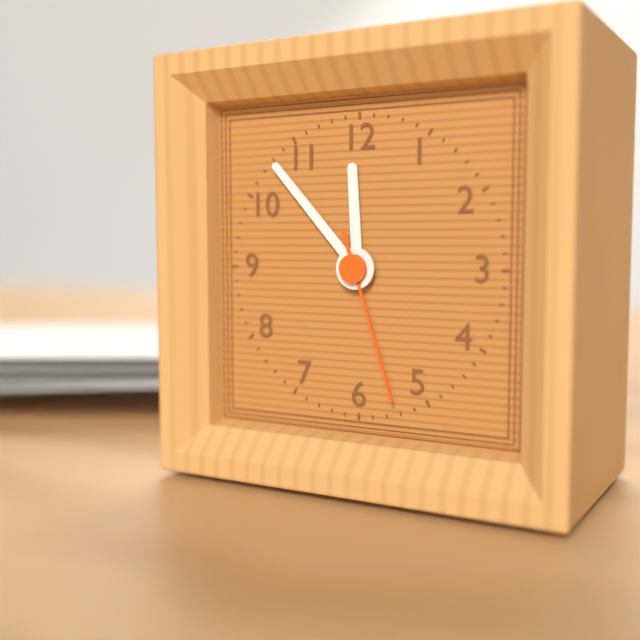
11:53:27
